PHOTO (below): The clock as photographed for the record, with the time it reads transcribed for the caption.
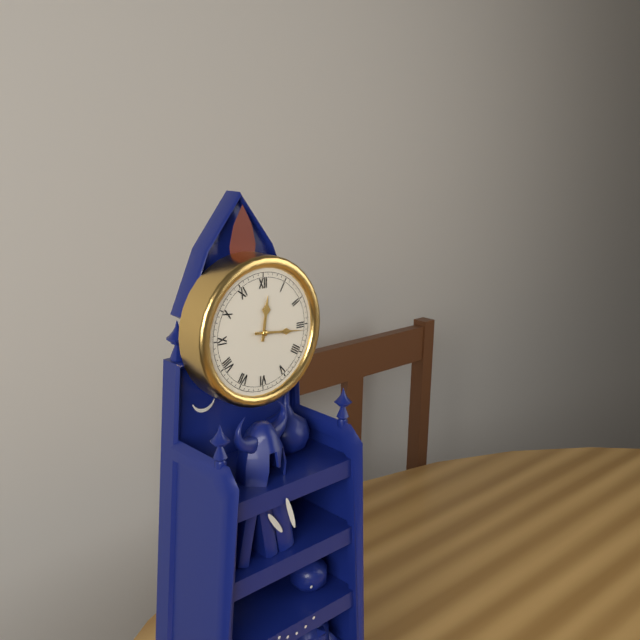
12:16
